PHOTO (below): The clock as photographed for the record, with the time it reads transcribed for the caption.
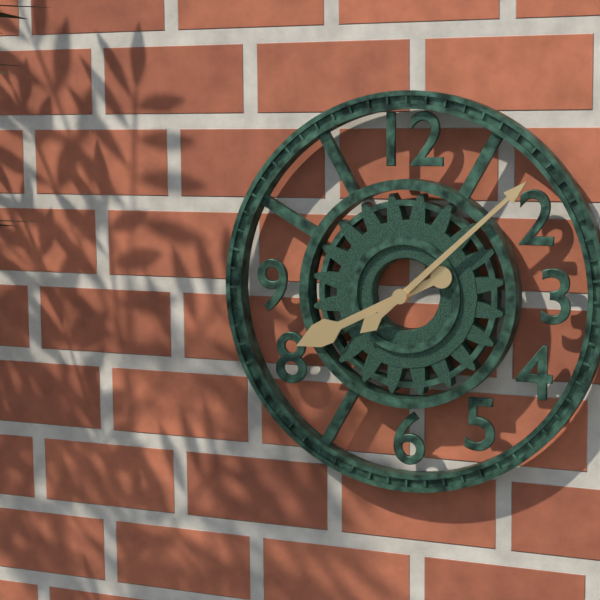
8:08
